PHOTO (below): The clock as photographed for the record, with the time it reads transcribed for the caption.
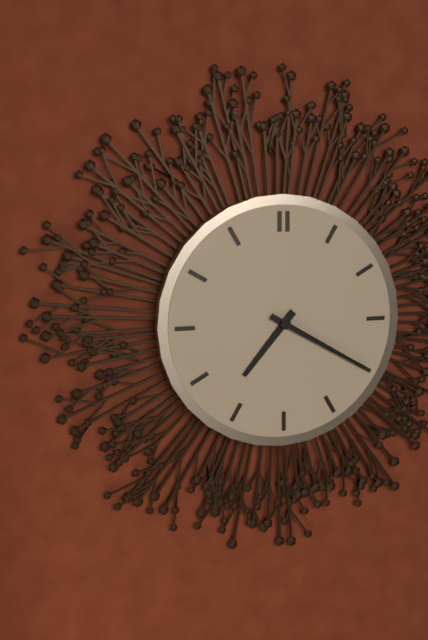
7:20
